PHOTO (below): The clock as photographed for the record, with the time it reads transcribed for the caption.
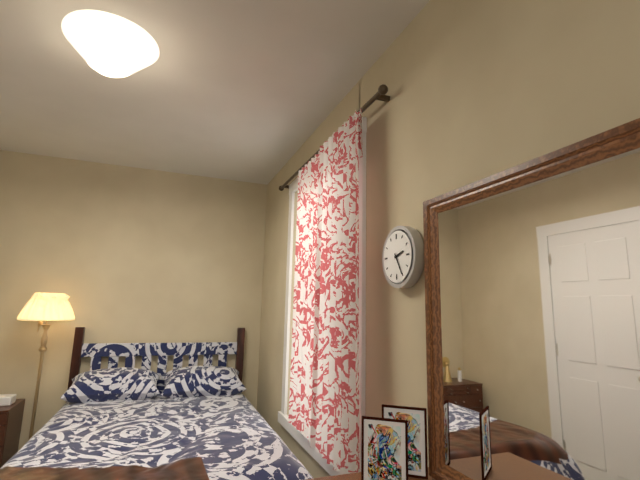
2:25
